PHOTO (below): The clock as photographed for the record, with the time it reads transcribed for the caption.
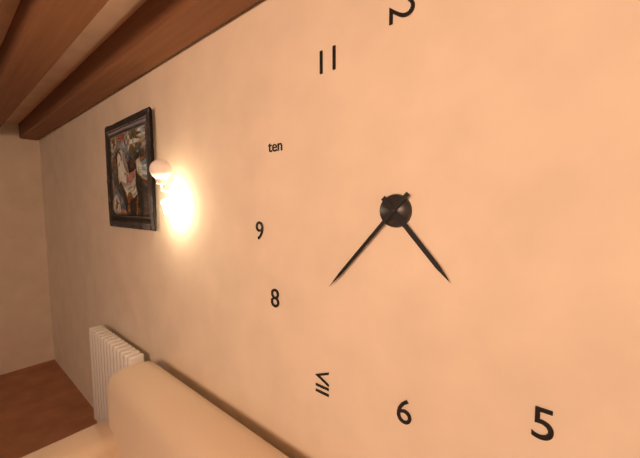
4:37
